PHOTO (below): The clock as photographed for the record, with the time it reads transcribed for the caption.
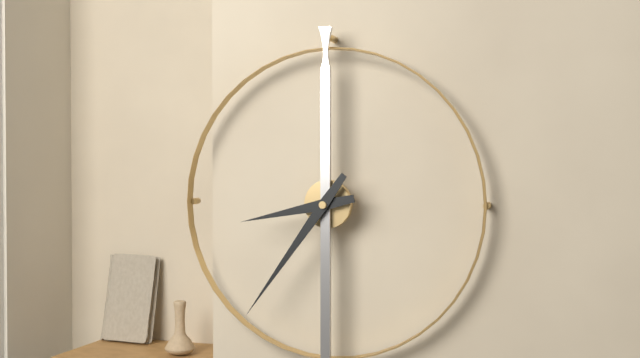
8:36
